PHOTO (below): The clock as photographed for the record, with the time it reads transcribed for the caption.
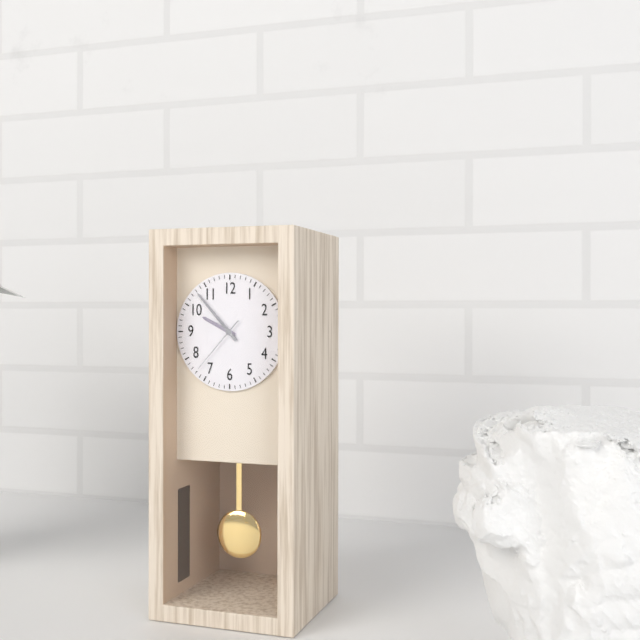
9:53:37
